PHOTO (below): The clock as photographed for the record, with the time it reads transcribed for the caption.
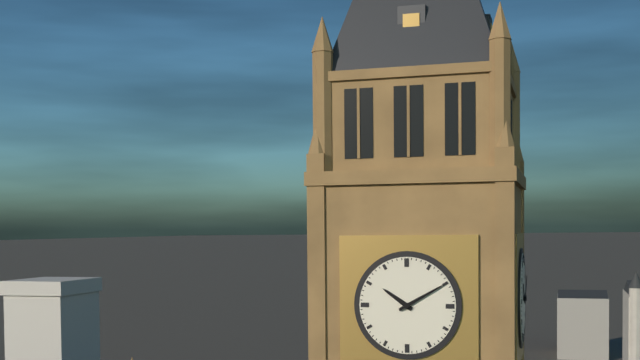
10:10
